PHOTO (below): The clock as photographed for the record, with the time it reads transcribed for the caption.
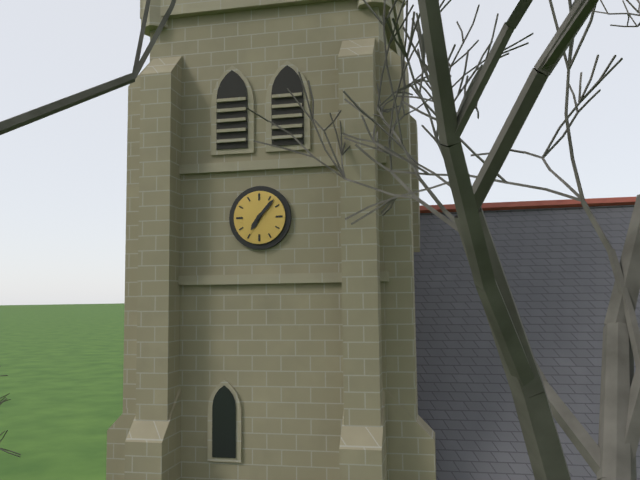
7:07
